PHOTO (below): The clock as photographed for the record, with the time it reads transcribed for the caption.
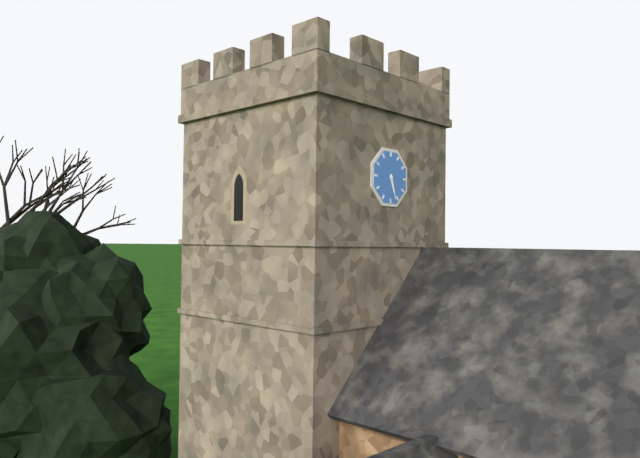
5:27
